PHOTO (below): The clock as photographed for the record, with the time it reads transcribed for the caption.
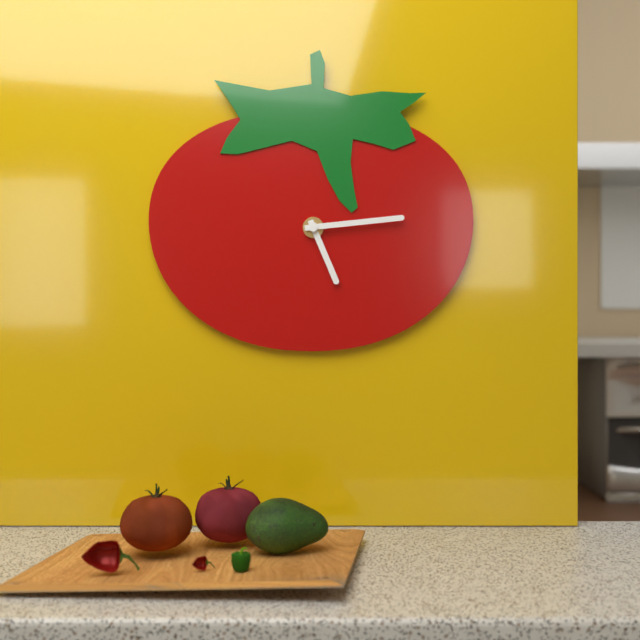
5:14
